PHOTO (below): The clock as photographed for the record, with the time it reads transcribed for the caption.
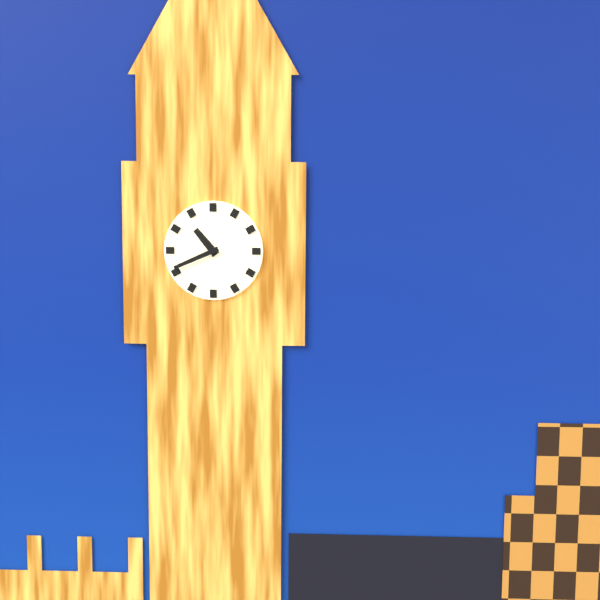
10:41
